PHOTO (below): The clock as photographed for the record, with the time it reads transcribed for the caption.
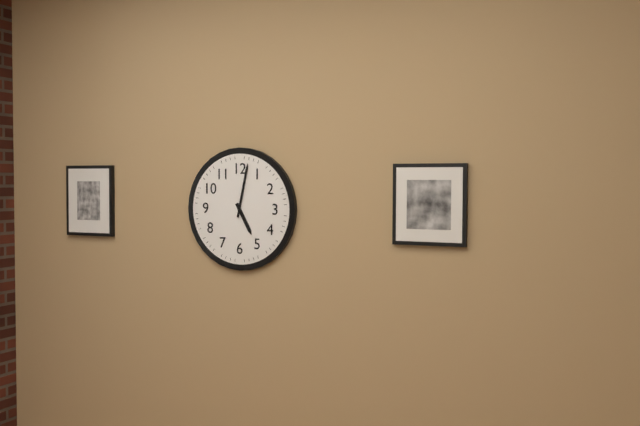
5:02
